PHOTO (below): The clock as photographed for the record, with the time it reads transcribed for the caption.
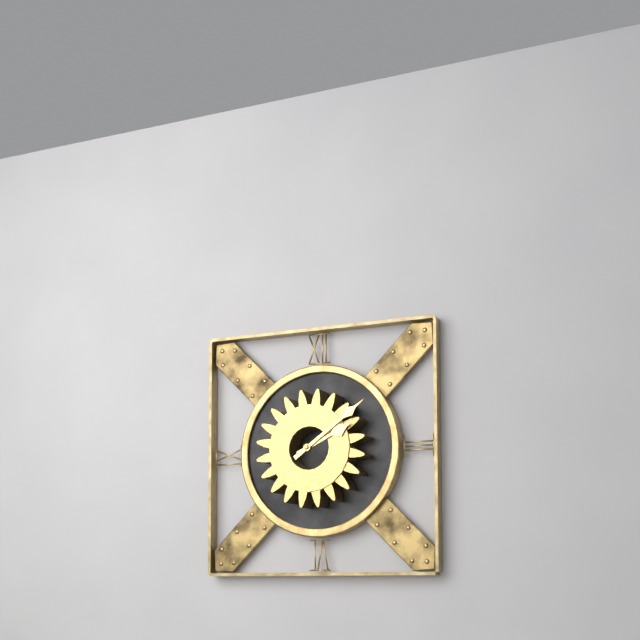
2:09
